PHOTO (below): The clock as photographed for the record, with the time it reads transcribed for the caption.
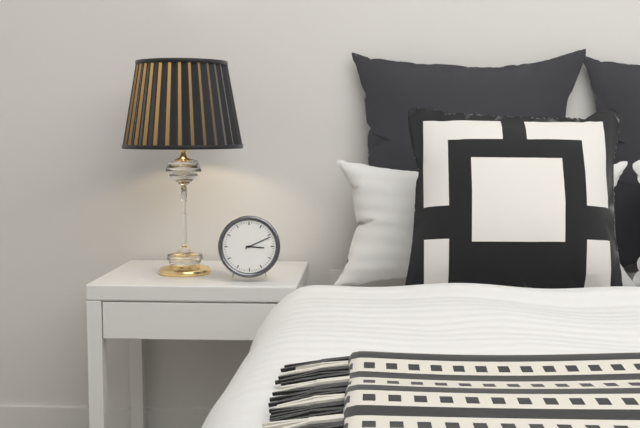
3:11
